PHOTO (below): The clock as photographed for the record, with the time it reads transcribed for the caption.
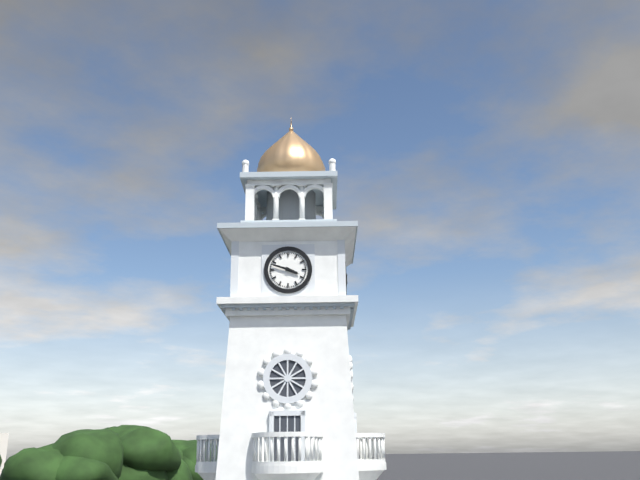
3:48
